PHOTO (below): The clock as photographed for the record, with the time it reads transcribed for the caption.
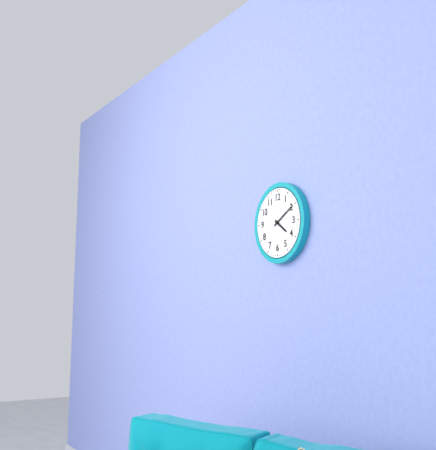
4:10
